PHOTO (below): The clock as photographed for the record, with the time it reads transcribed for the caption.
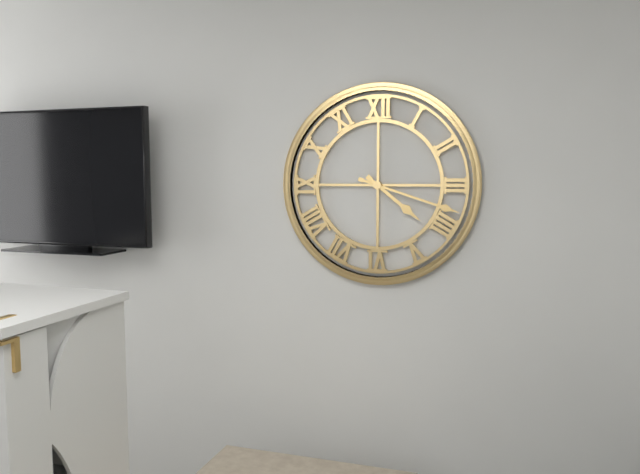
4:18
